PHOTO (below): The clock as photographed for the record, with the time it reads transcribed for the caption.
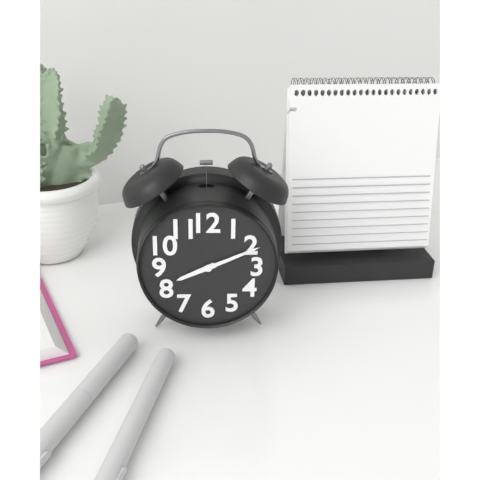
8:11
